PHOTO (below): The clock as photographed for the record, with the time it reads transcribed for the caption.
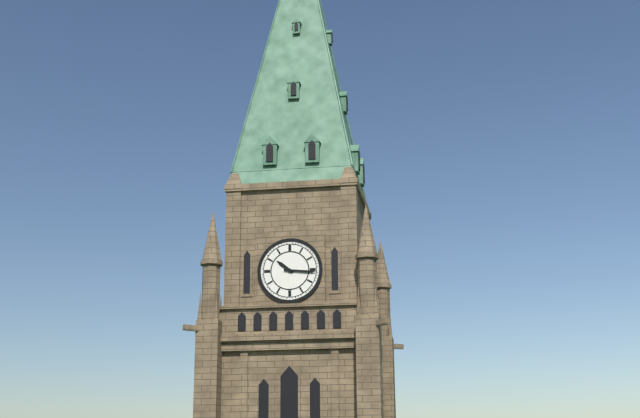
10:16
